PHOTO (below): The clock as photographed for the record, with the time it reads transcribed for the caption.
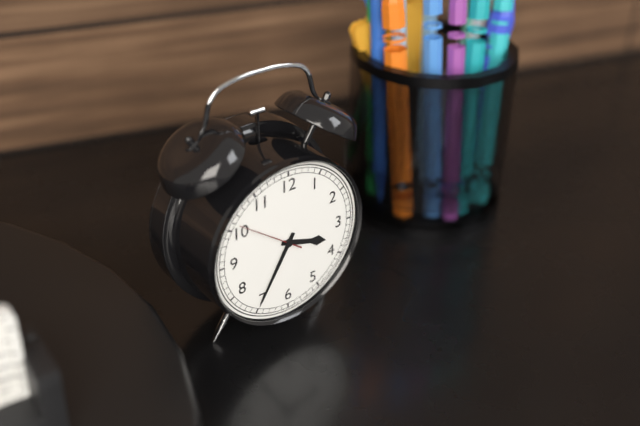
3:35:51
